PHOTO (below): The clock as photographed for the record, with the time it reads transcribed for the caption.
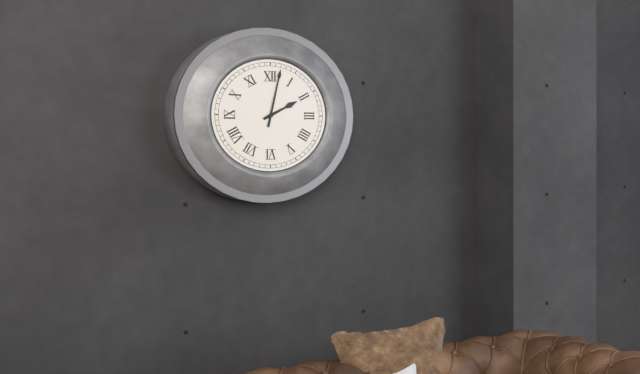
2:02
